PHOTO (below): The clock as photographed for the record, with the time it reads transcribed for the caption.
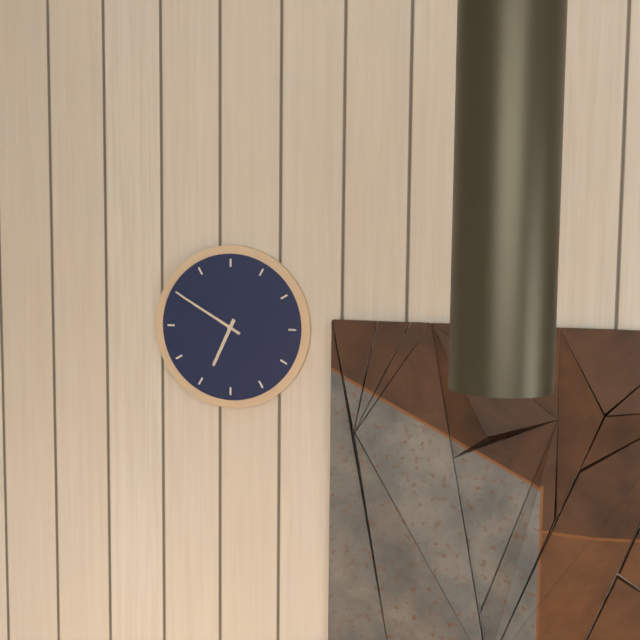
6:50
